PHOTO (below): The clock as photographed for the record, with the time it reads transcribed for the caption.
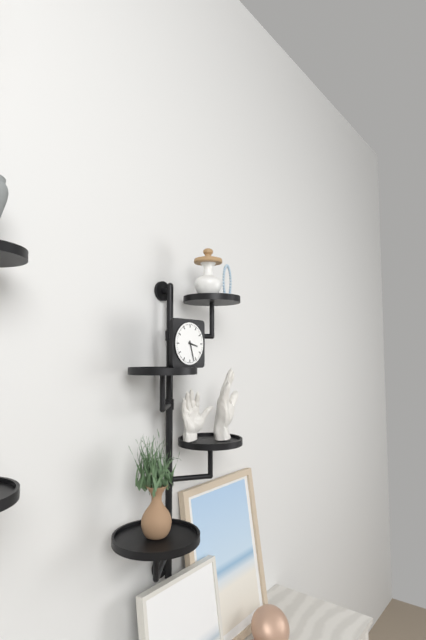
3:27
